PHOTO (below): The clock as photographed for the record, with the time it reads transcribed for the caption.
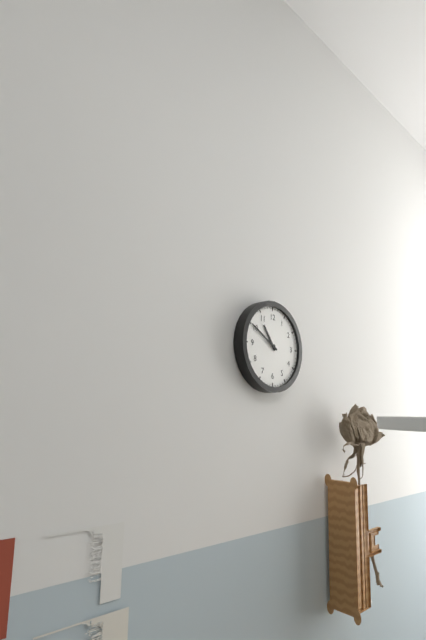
10:50
